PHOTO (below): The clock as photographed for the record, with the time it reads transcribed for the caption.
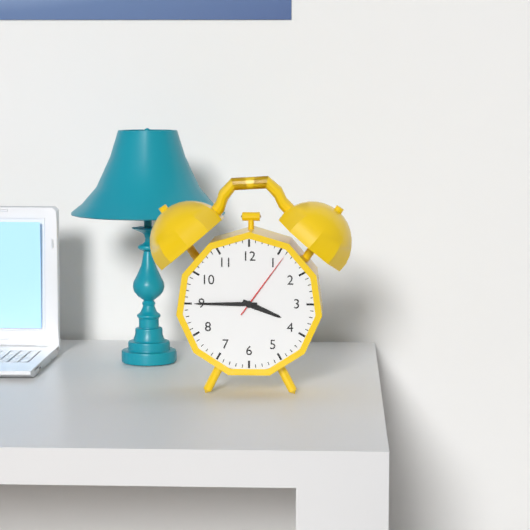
3:45:06
